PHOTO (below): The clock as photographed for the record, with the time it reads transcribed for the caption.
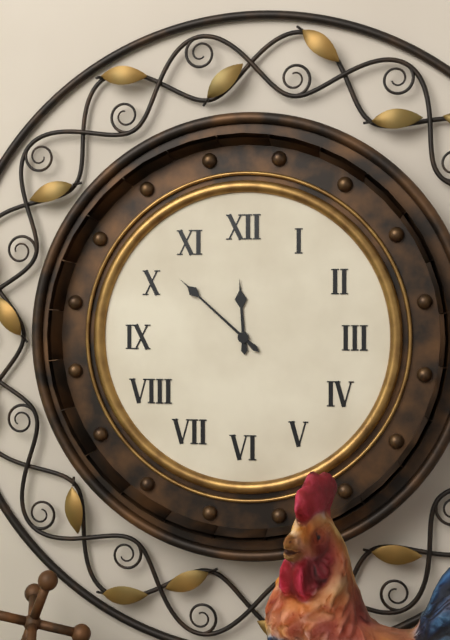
11:52
